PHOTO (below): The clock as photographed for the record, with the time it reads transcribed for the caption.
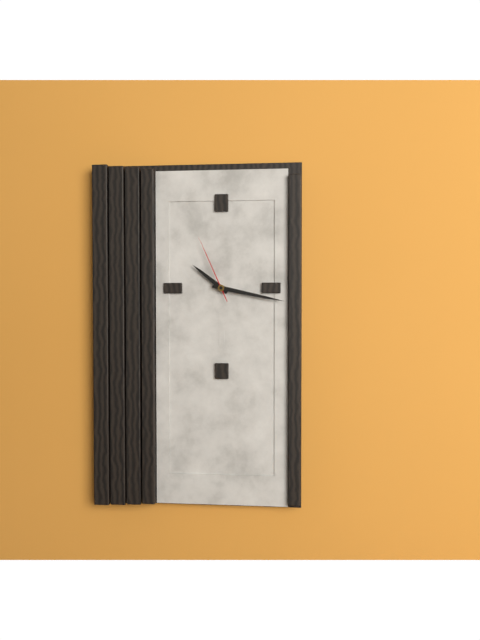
10:17:56
